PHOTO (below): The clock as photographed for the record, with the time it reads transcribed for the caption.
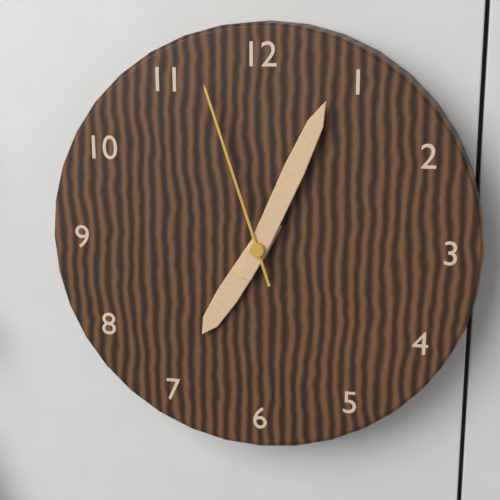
7:04:57
